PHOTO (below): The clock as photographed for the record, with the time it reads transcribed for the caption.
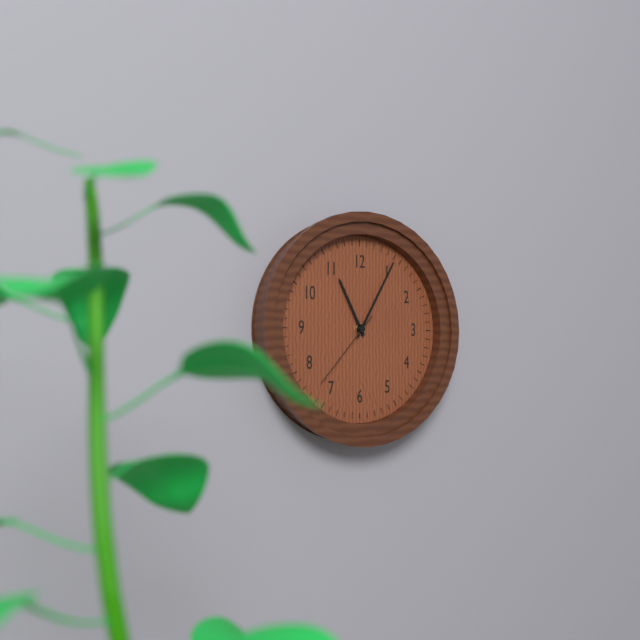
11:05:37
